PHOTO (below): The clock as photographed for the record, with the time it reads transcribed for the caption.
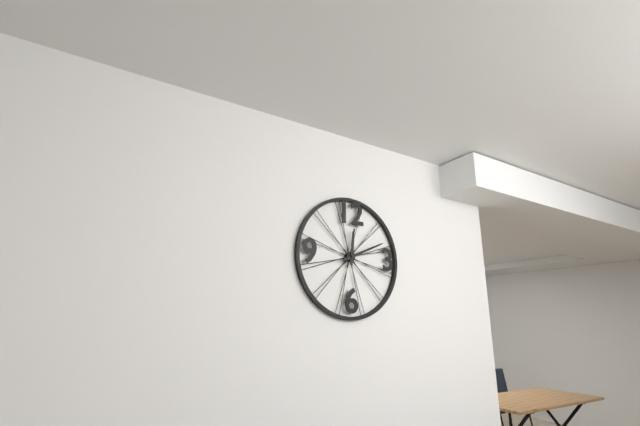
12:11
